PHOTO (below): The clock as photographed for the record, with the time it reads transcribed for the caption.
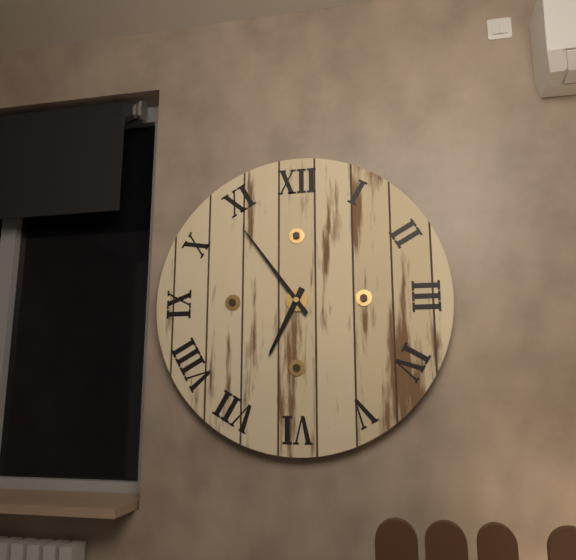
6:54
